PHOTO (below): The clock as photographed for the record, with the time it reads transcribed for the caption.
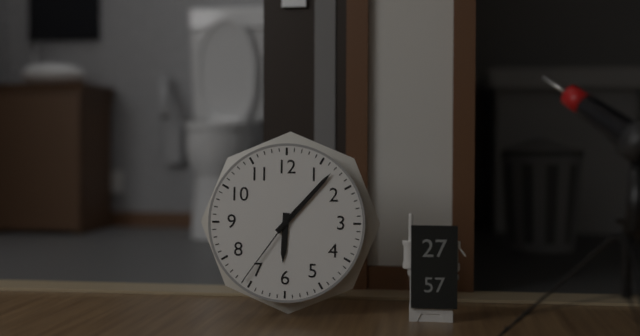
6:07:36
